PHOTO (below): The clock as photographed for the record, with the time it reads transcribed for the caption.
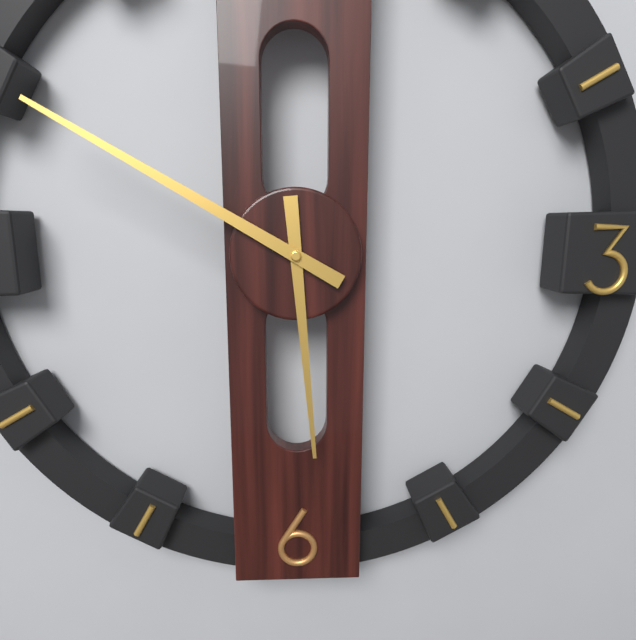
5:50
